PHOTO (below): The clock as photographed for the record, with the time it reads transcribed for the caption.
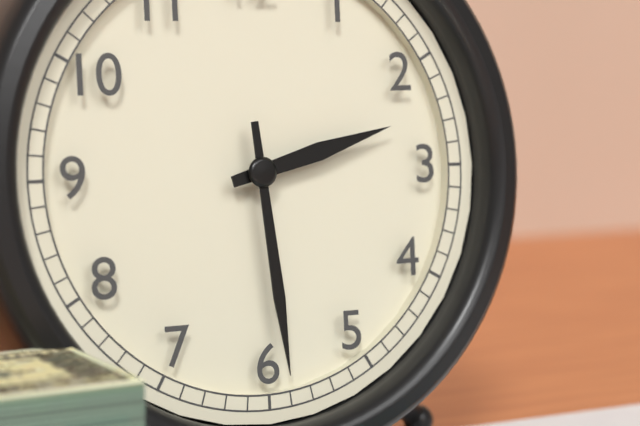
2:29
